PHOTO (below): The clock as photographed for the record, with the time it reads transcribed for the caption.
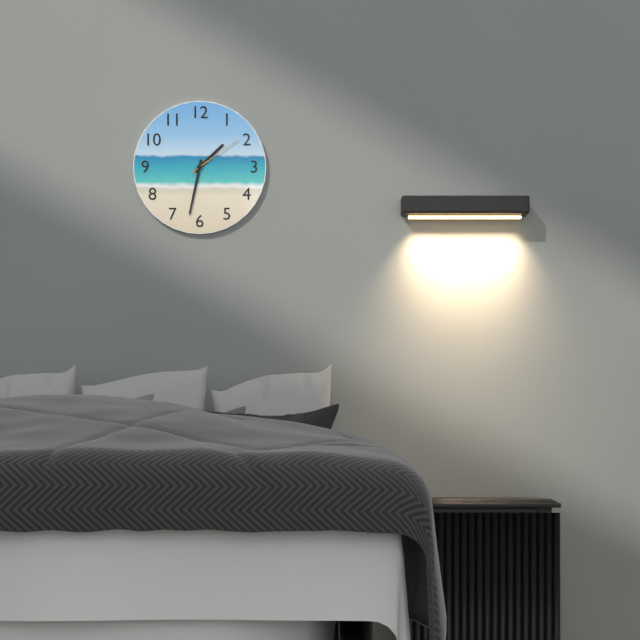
1:32:09
